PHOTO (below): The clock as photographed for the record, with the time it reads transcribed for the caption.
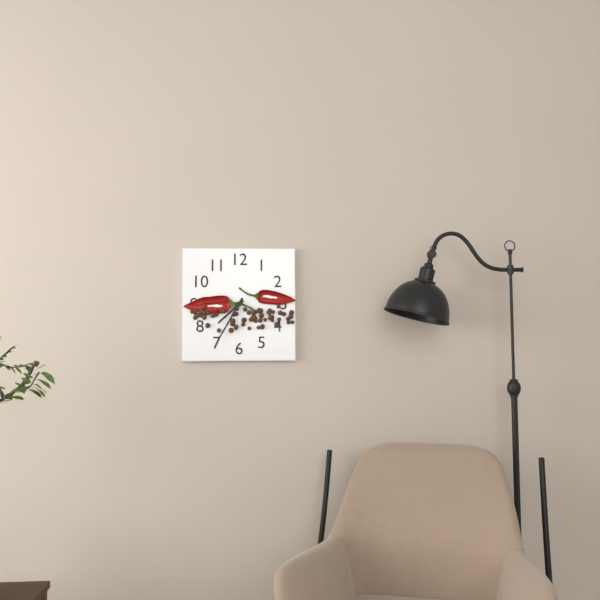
7:35
